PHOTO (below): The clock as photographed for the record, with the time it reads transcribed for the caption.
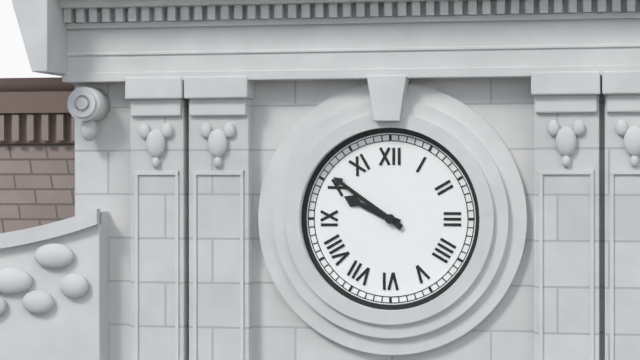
9:51
